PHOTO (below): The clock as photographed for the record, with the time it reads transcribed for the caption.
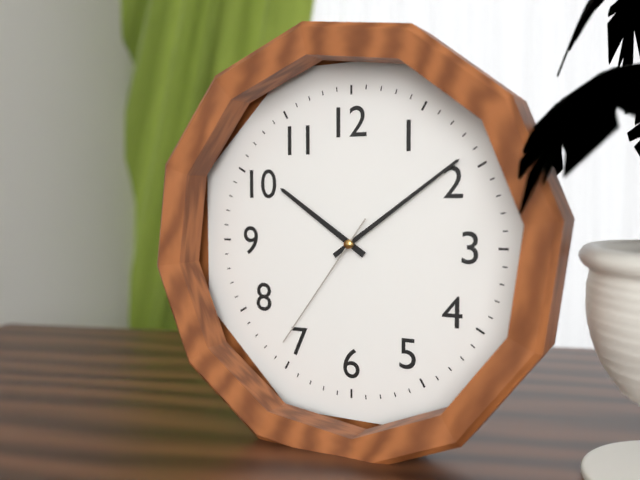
10:09:36
